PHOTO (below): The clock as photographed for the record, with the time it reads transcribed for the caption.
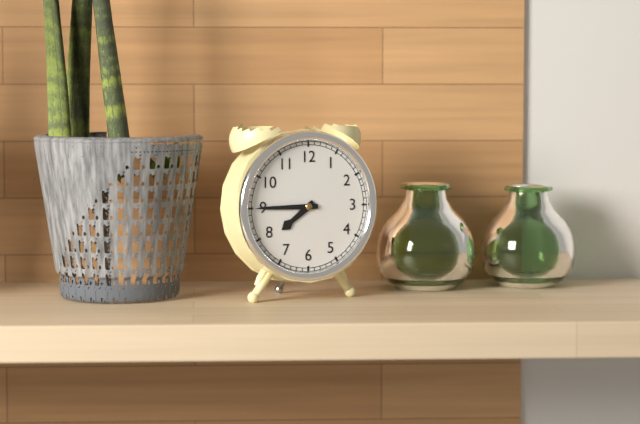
7:45
